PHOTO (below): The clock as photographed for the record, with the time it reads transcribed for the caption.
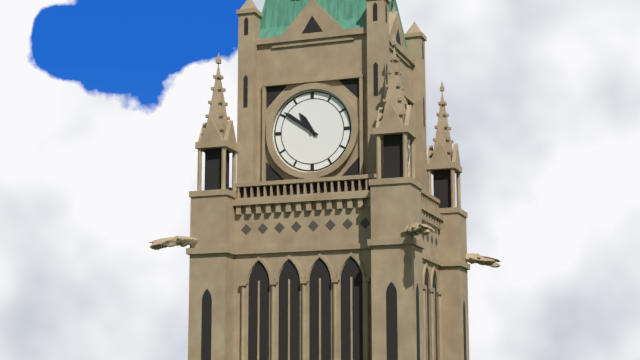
10:51
